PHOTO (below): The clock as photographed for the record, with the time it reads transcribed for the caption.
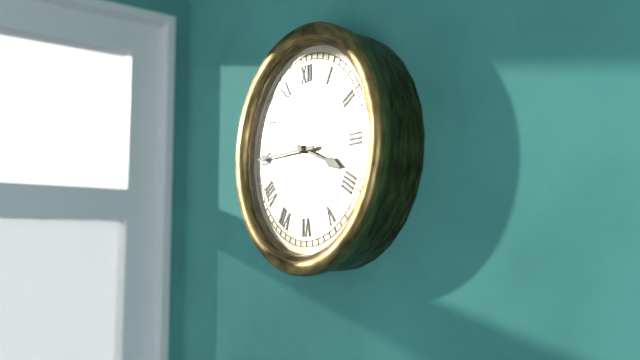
3:45
